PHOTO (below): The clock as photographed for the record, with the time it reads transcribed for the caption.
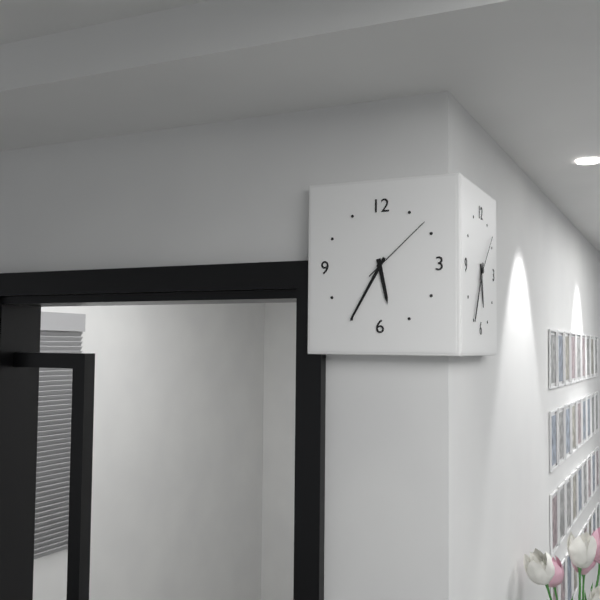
5:35:08
